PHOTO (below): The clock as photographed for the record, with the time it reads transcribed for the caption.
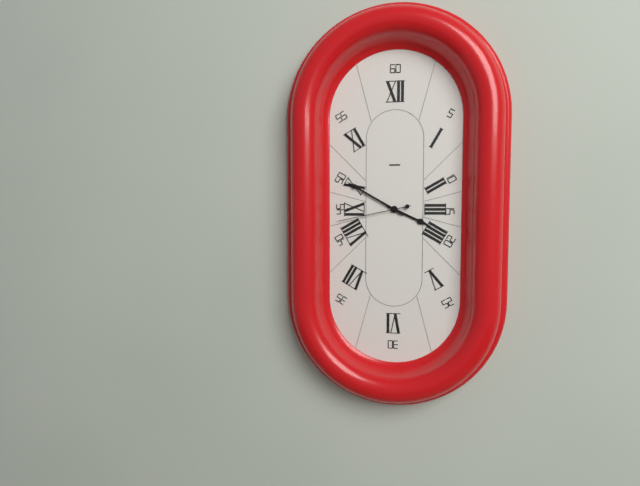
3:50:43
